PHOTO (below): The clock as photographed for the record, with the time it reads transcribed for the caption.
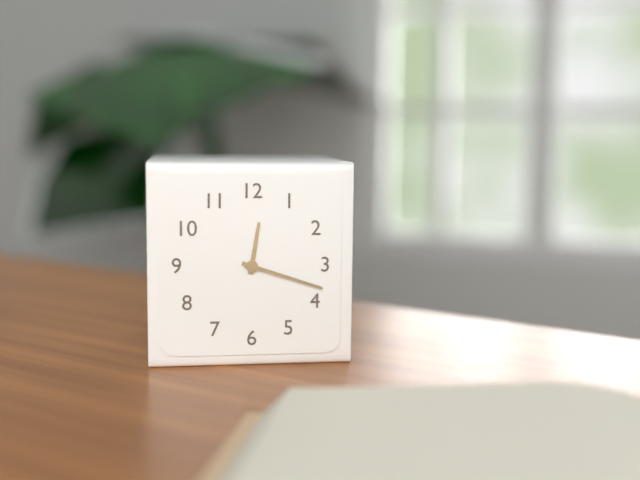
12:18
